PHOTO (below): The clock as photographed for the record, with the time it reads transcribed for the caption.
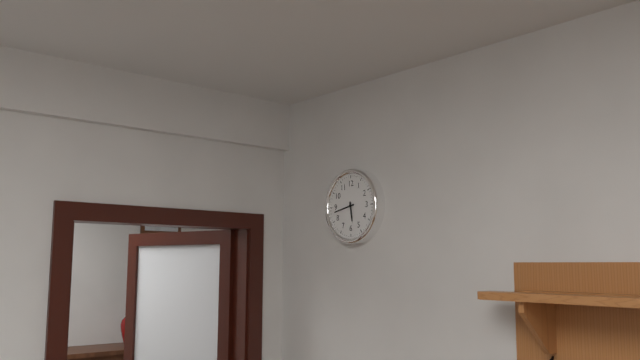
5:43
